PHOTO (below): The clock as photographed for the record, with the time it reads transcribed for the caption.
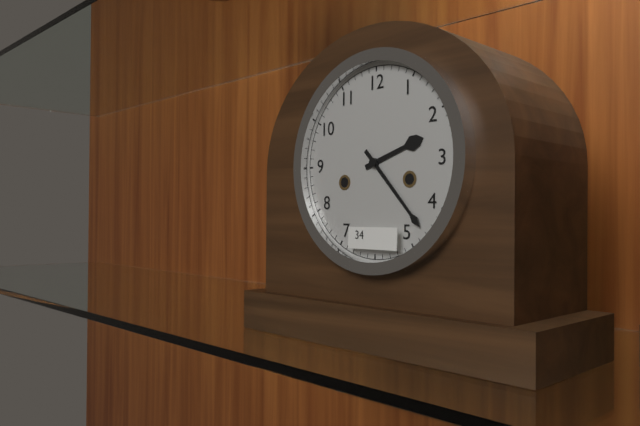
2:23
